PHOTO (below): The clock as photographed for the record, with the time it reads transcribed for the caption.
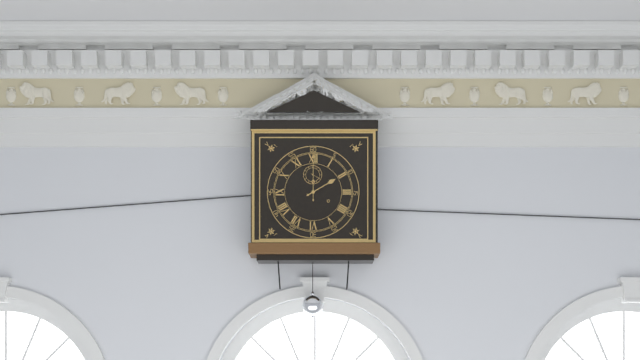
2:00
